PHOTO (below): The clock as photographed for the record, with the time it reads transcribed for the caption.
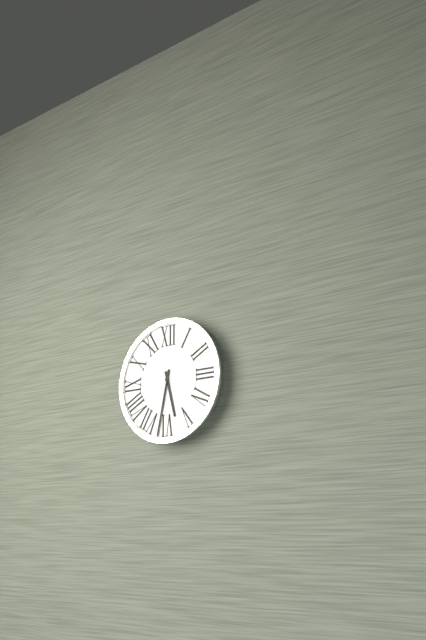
5:32
